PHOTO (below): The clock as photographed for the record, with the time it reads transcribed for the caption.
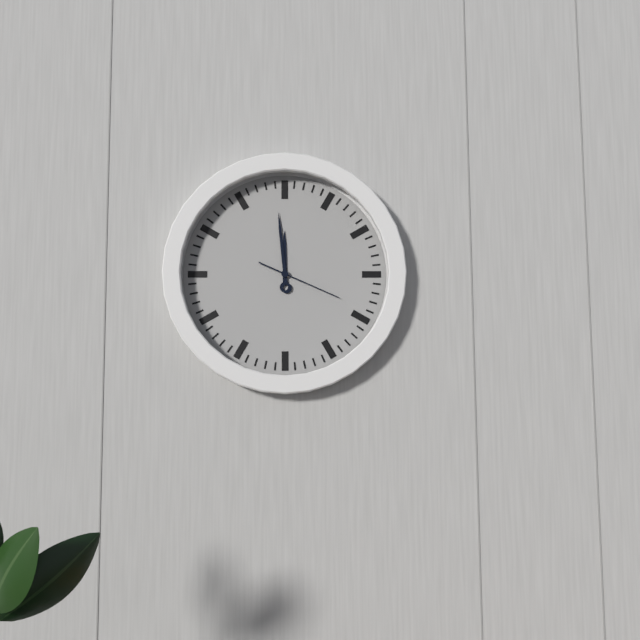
11:59:19
